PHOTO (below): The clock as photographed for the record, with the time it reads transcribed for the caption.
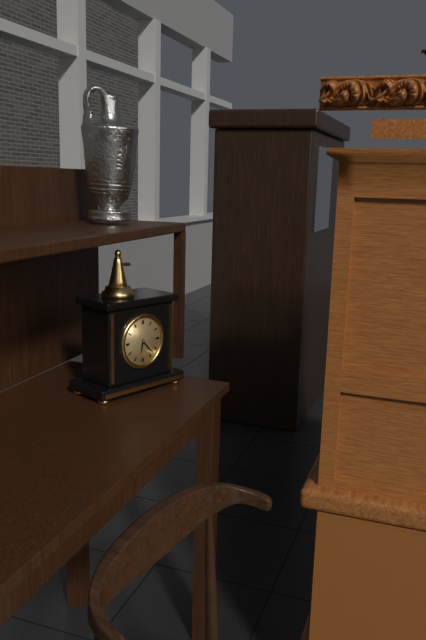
6:23
